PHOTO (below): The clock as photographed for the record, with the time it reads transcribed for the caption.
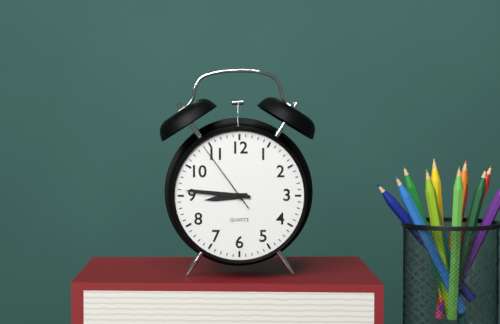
8:46:54
